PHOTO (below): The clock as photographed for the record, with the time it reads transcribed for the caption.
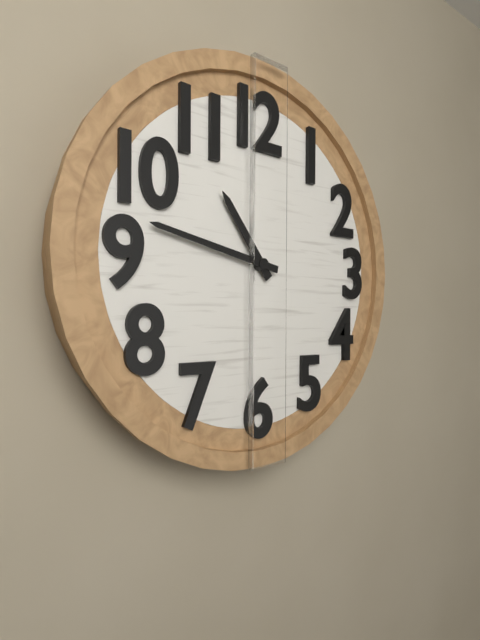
10:47
